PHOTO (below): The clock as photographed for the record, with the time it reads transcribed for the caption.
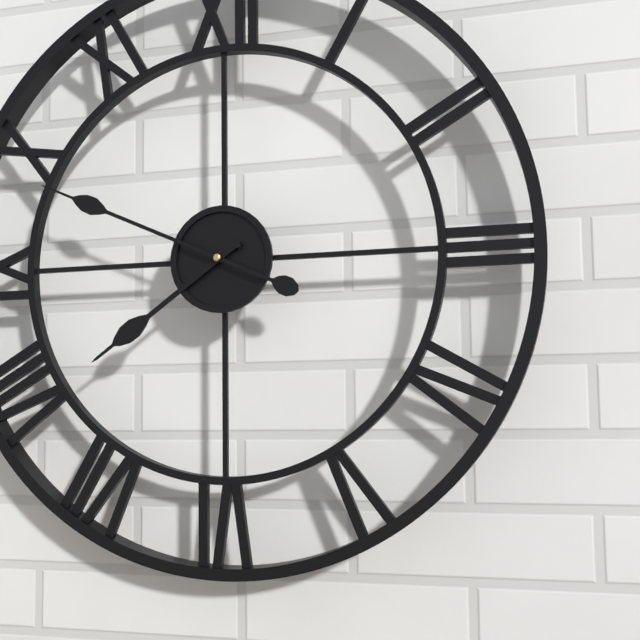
7:49
